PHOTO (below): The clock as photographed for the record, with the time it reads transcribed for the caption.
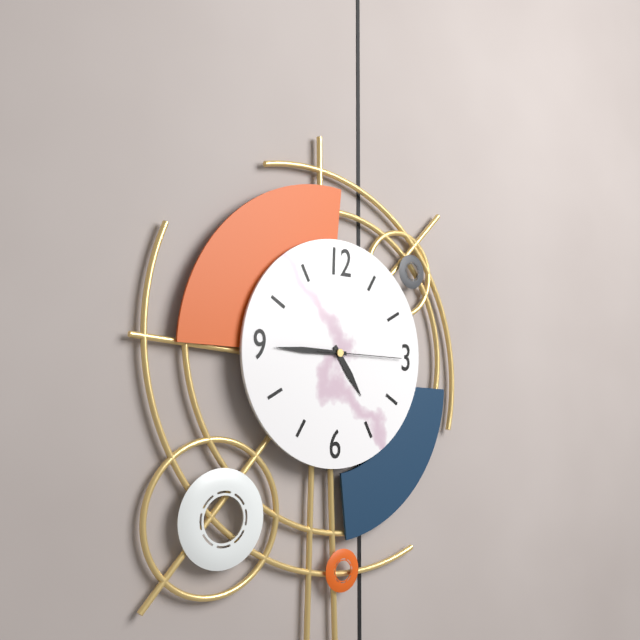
4:45:15
